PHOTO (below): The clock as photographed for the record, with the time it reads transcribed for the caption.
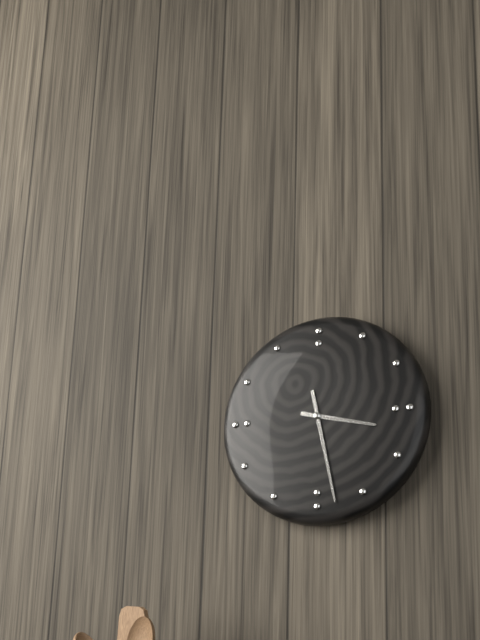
3:28
